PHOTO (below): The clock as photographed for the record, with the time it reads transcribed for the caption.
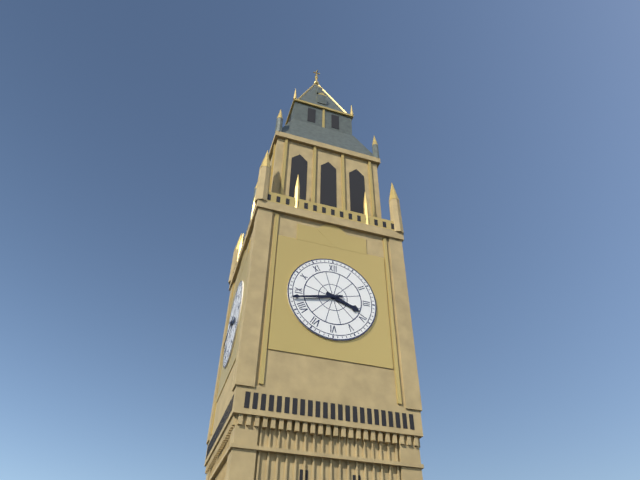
3:43
